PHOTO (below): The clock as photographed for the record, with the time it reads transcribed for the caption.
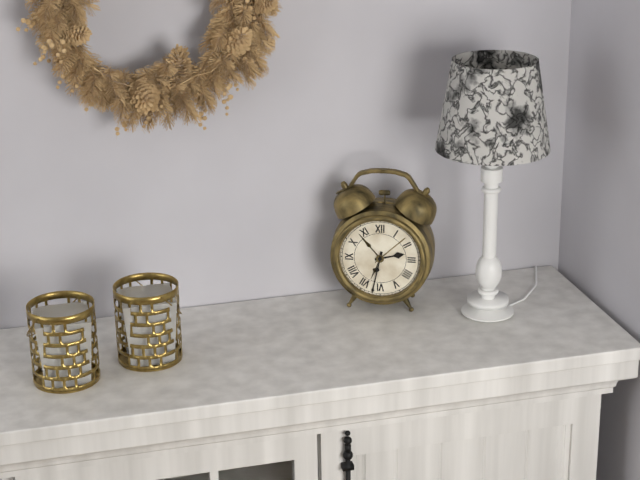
2:32
